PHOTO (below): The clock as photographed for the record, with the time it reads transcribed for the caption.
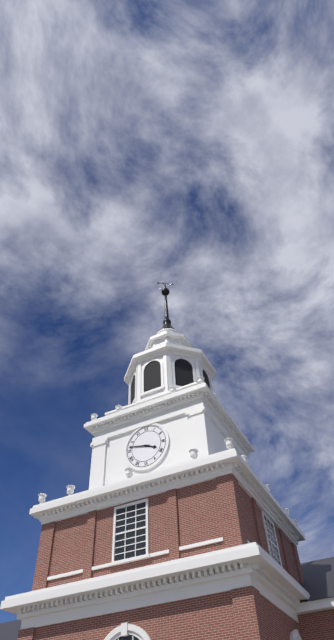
3:47
